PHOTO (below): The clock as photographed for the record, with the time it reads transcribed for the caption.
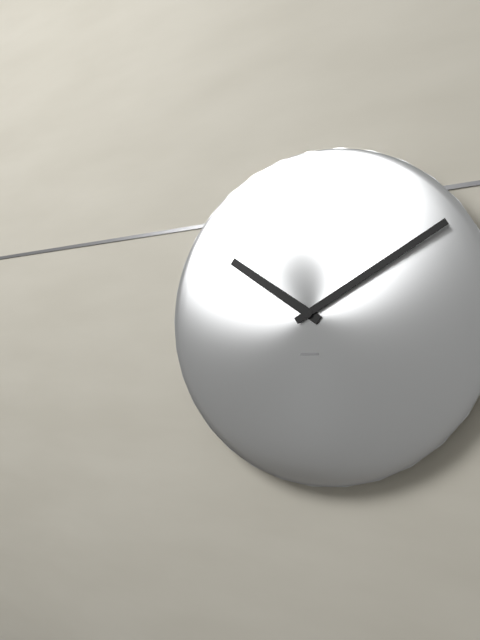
10:10
